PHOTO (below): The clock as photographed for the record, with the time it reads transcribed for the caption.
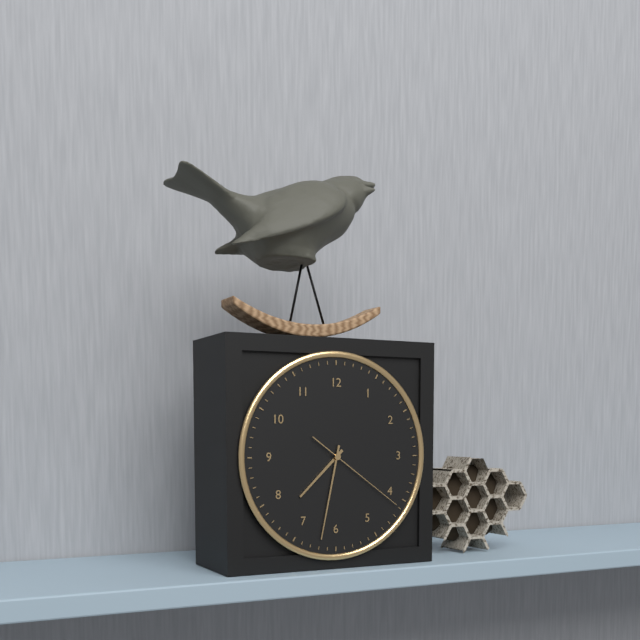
7:32:21
